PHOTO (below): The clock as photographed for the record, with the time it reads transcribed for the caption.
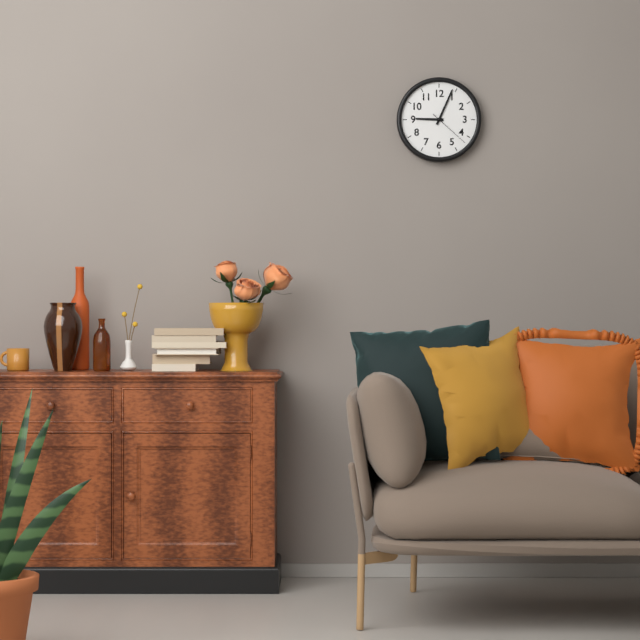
9:04
